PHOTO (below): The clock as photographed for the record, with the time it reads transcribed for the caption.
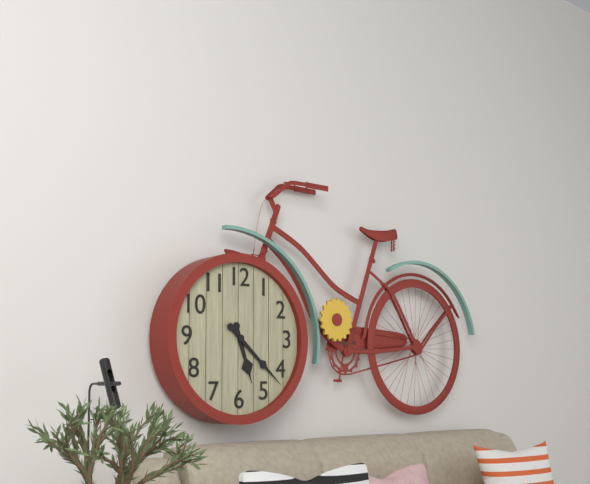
5:22
